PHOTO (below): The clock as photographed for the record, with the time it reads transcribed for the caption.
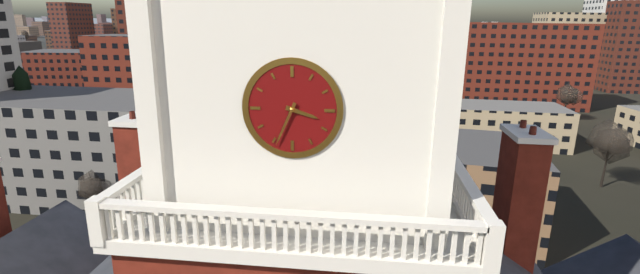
3:34
